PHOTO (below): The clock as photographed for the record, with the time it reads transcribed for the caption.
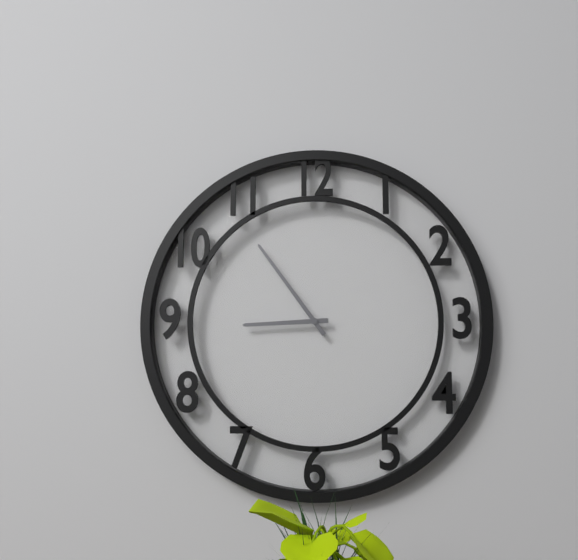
8:54
